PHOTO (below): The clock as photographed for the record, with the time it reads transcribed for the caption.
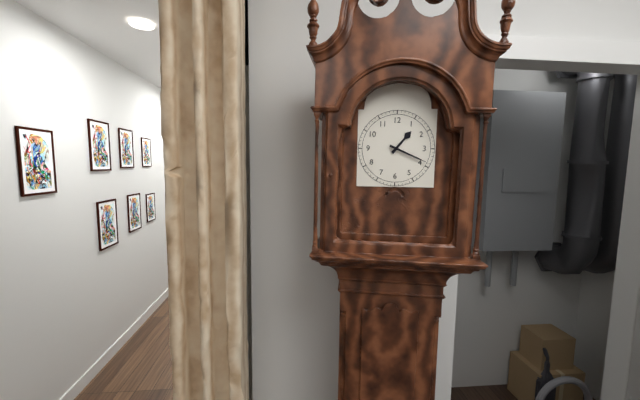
1:19
